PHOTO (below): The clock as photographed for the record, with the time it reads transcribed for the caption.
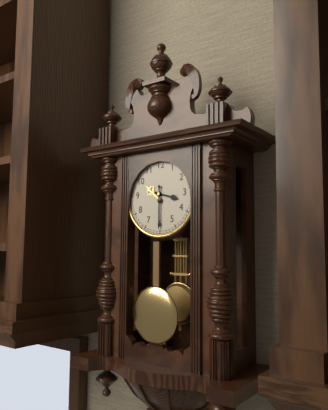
3:30
